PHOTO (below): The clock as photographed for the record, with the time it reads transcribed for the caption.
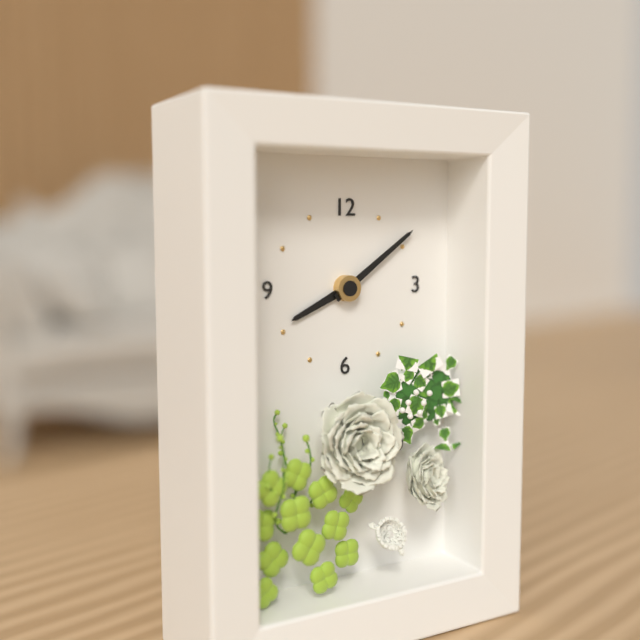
8:09
